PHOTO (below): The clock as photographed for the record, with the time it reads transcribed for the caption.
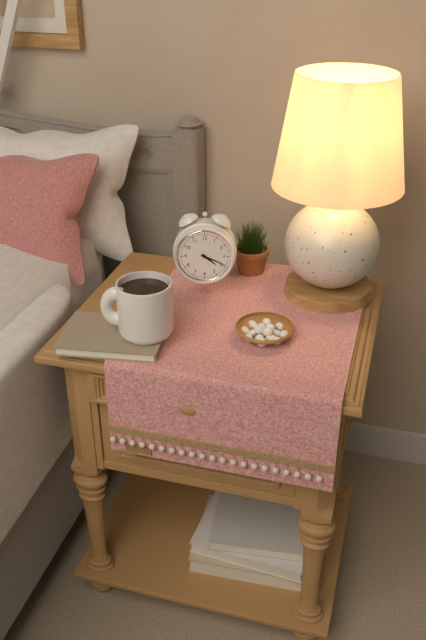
4:19
